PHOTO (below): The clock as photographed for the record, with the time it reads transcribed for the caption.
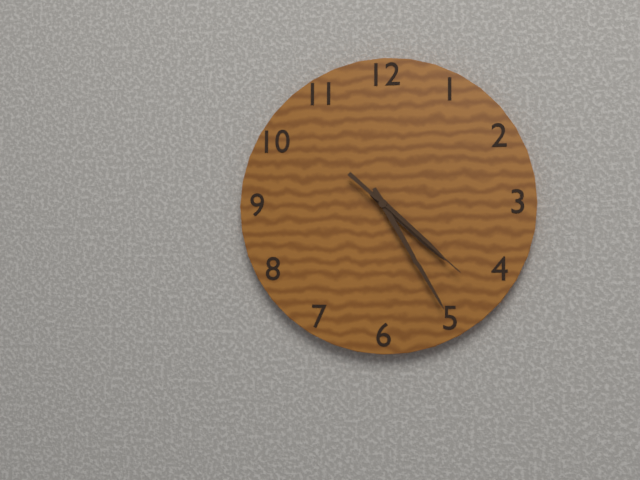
4:25:22
